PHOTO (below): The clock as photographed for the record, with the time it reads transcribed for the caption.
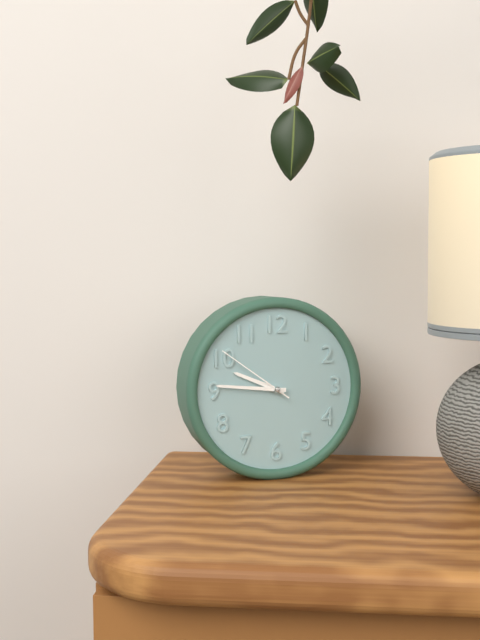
9:46:51
